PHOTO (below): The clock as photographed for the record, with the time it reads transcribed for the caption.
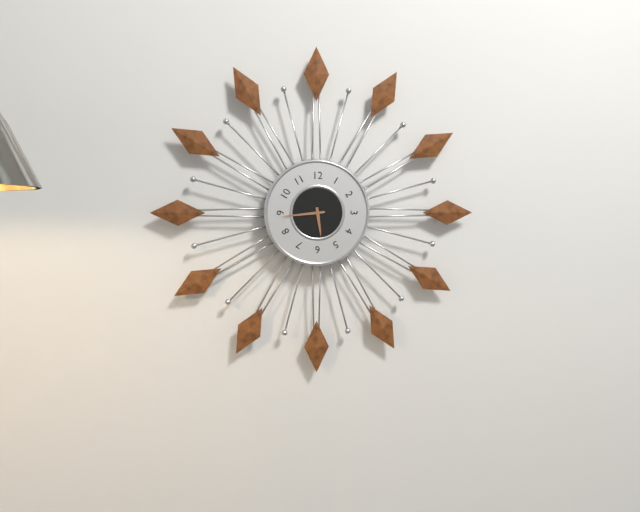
5:44
